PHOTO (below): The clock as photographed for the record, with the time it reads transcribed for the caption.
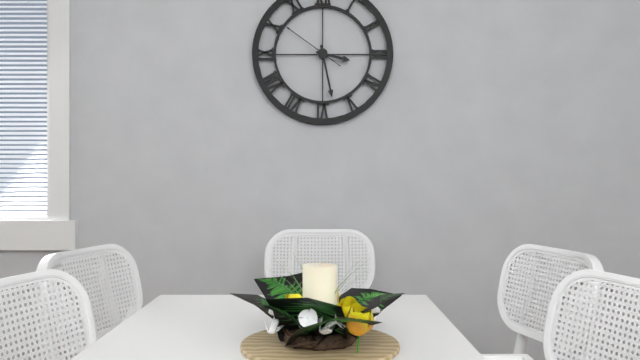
3:28:51
